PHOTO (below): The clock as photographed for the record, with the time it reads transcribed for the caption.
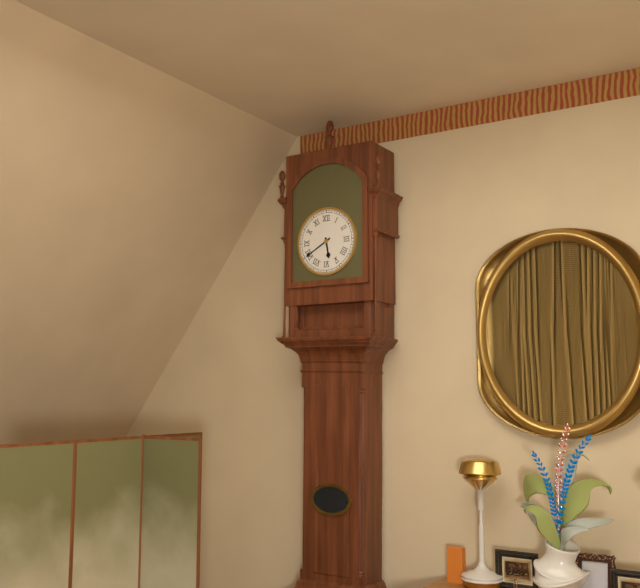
5:40
